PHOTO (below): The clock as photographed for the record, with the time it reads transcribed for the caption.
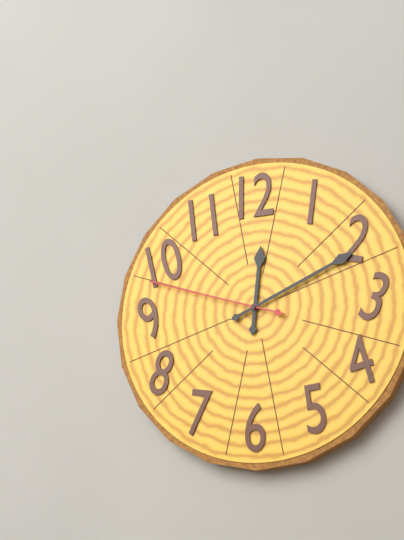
12:11:48
